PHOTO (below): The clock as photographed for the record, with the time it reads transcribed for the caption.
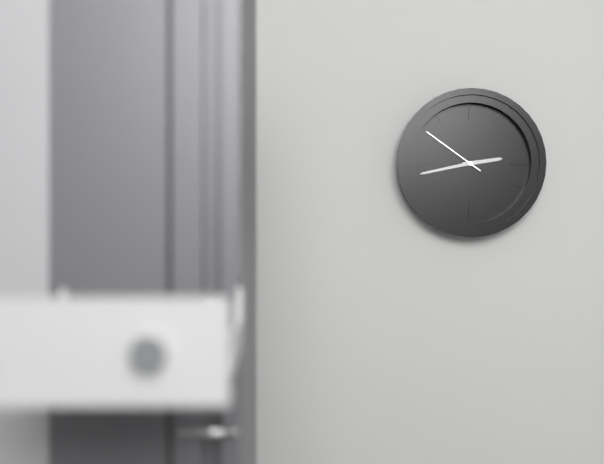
2:43:51
